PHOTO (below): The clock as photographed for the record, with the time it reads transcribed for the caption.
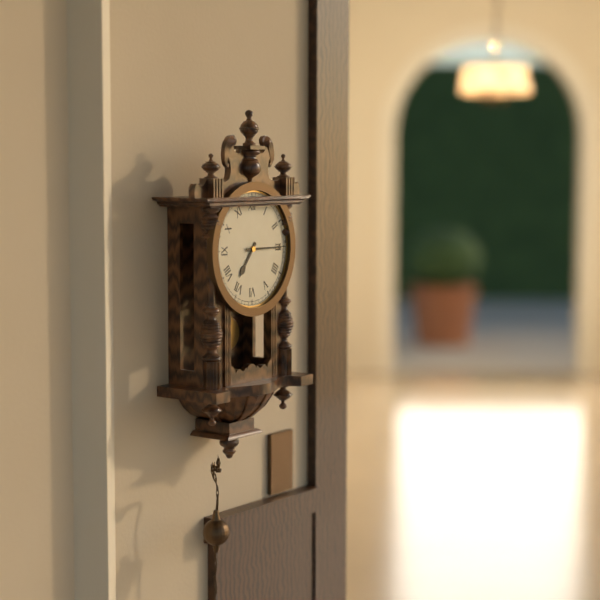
7:15
